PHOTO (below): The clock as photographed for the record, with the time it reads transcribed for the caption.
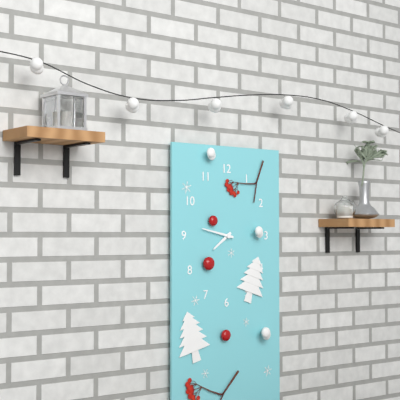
7:47
